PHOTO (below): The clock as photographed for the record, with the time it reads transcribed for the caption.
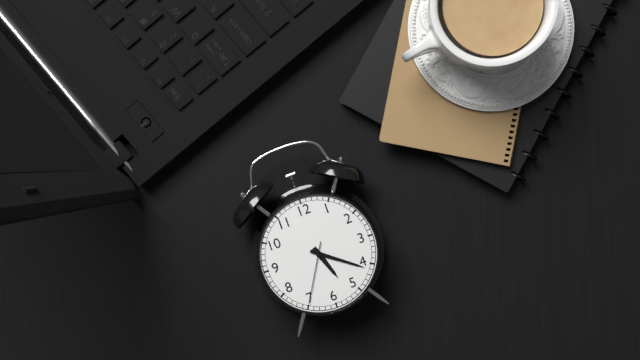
5:21:35
